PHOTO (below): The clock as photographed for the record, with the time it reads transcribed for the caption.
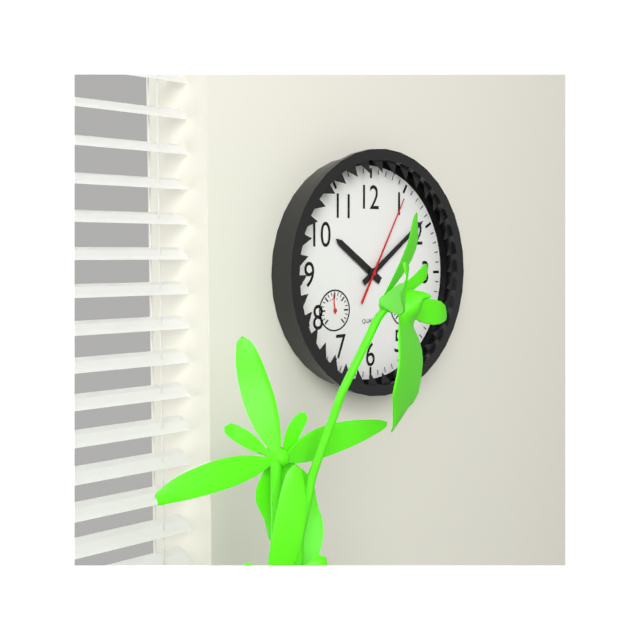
10:09:05
